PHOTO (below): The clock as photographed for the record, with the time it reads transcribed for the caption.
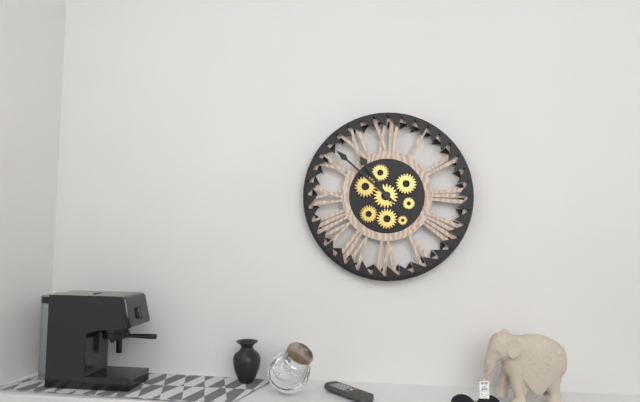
10:52
